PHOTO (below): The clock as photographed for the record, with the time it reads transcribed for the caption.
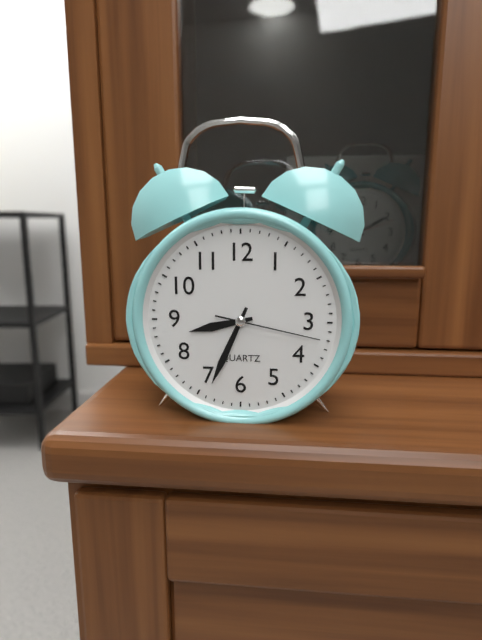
8:34:17
